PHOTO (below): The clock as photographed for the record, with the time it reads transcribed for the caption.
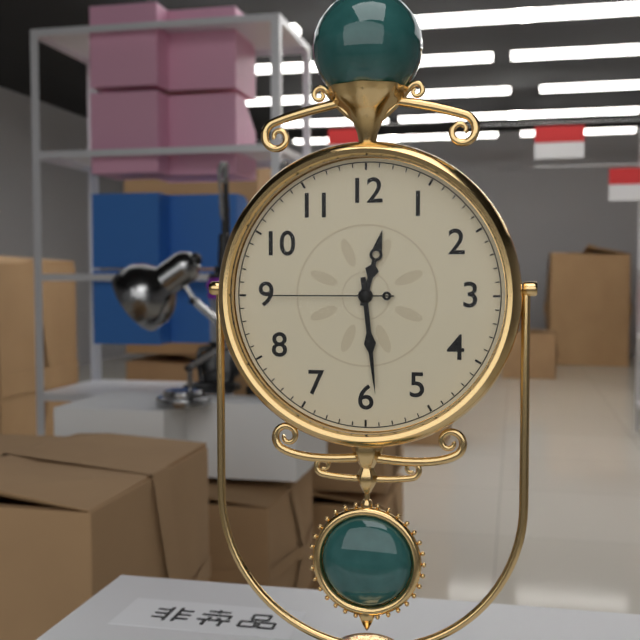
12:29:45
